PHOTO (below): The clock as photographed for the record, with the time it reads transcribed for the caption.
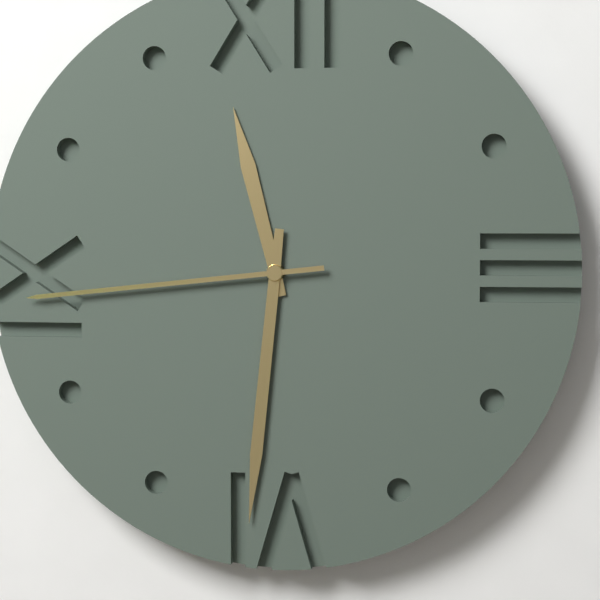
11:31:44
